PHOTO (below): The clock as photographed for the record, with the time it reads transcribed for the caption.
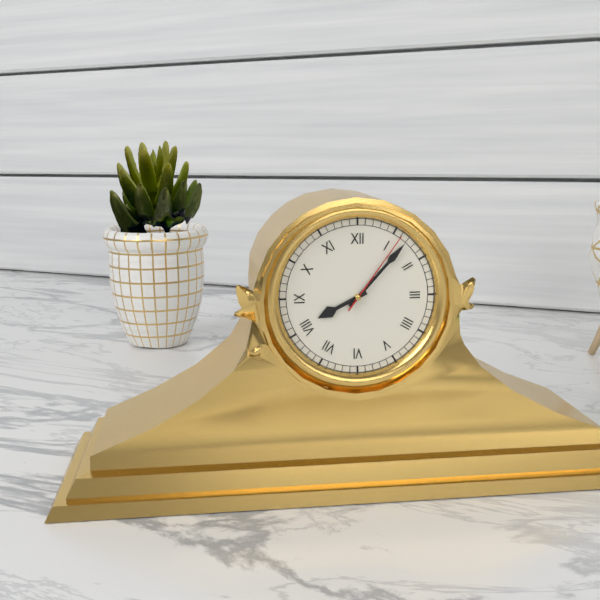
8:07:06
